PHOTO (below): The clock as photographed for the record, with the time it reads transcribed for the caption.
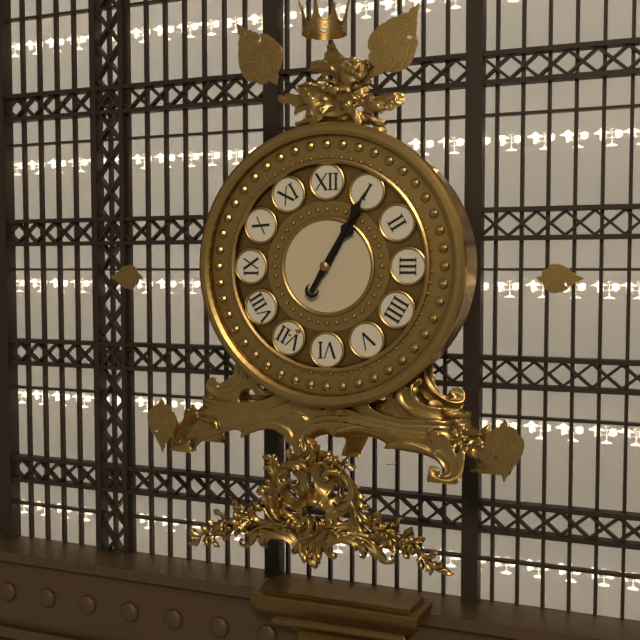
1:05
